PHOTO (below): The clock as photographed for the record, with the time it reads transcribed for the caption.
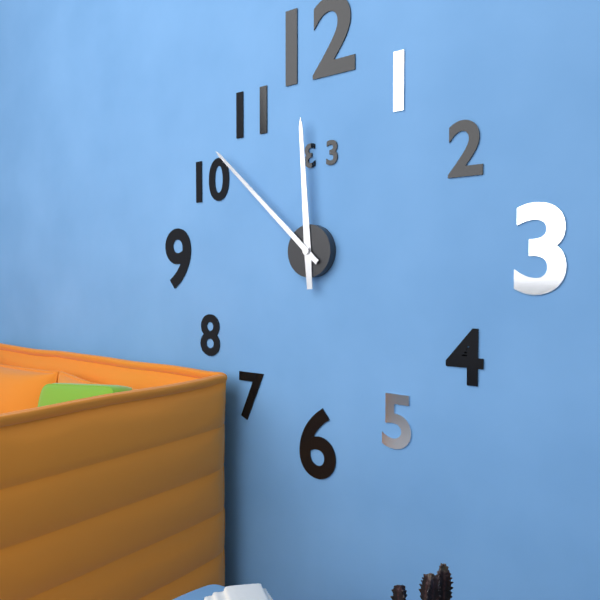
11:52
